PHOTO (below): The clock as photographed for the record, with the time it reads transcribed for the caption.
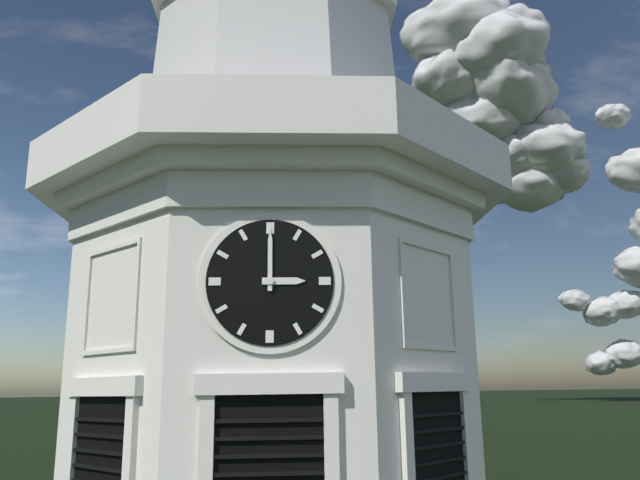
3:00
